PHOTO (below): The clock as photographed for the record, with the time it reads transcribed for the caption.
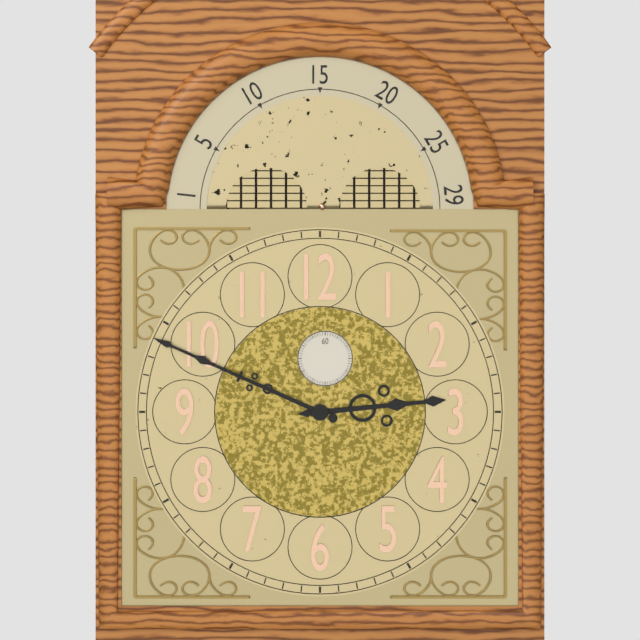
2:49
